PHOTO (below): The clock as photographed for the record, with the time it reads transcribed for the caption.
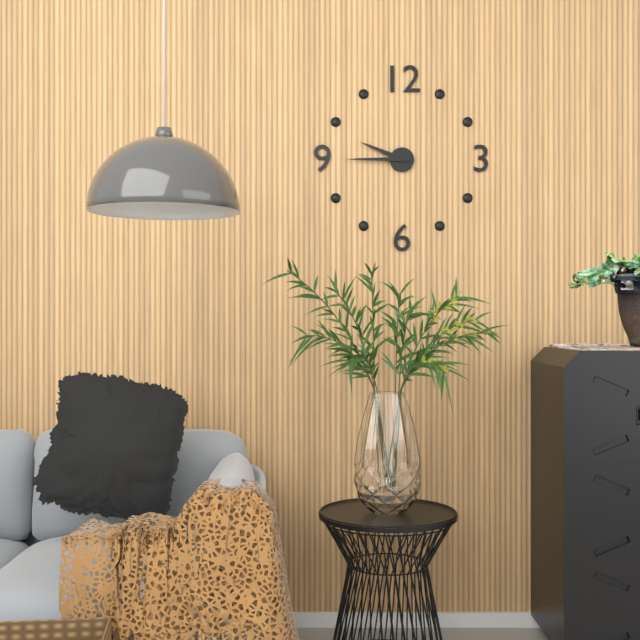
9:45
